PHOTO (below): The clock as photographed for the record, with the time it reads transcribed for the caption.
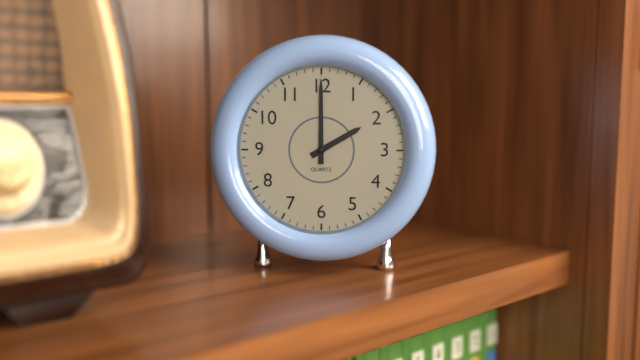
2:00
